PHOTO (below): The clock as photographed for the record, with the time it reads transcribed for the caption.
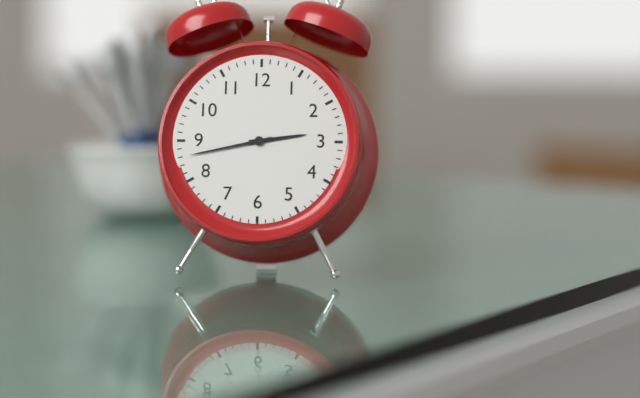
2:43
